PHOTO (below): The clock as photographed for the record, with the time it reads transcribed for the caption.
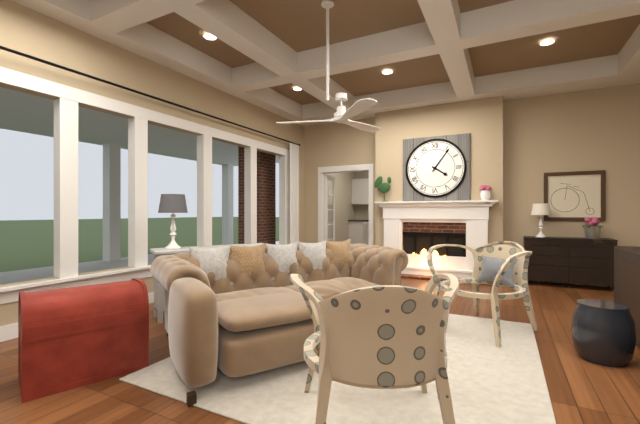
4:06
